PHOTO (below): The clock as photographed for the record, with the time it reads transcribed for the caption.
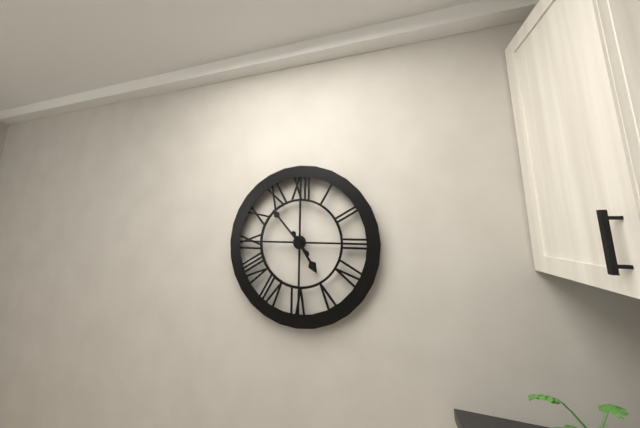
4:53
